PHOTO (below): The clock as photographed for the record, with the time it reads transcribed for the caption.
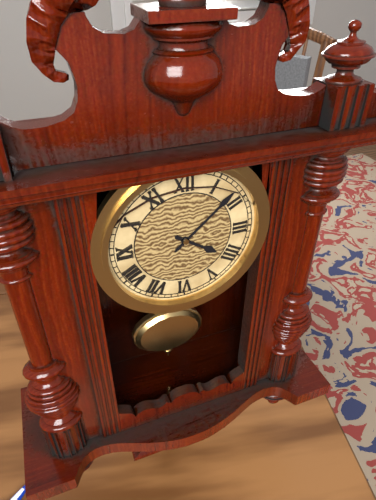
4:08
